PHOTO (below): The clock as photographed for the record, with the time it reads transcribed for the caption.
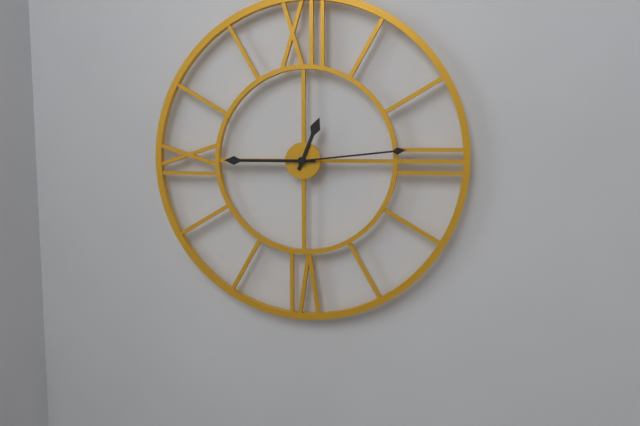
12:45:14
